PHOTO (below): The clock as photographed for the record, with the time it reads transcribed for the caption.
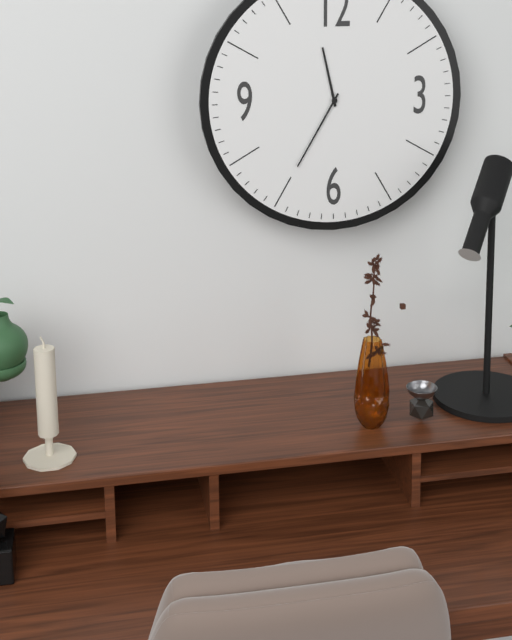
11:35
